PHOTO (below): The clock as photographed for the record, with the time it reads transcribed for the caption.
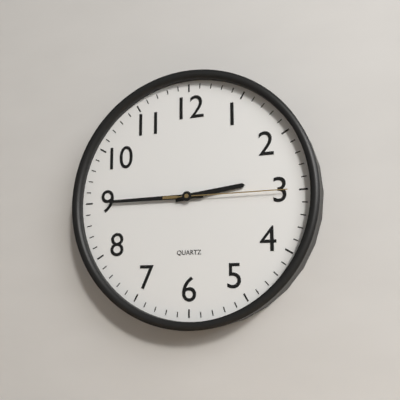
2:45:15
